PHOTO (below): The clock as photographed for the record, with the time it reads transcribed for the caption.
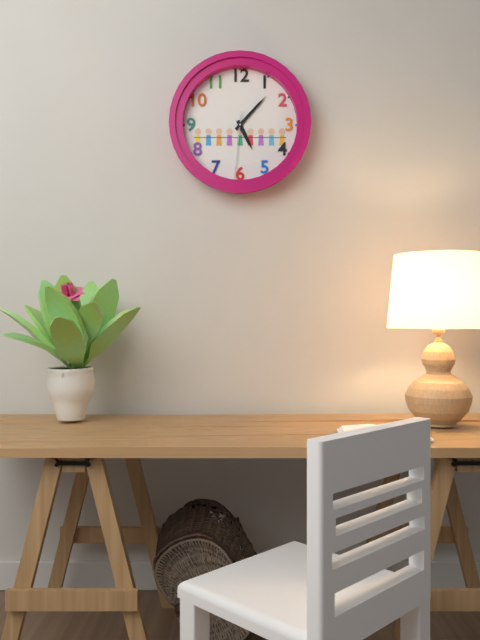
5:07:31
